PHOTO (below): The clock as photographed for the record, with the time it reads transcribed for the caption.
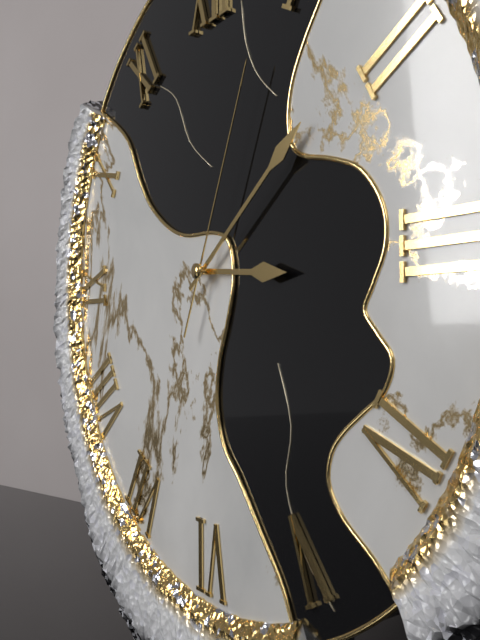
3:09:04
